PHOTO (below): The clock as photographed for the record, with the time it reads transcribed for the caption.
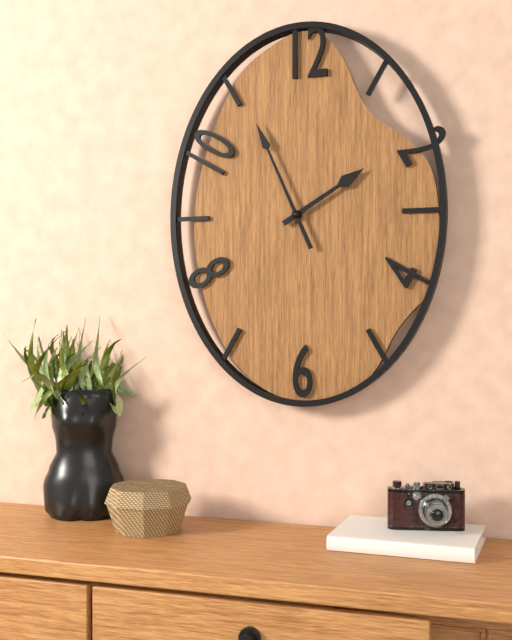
1:56
